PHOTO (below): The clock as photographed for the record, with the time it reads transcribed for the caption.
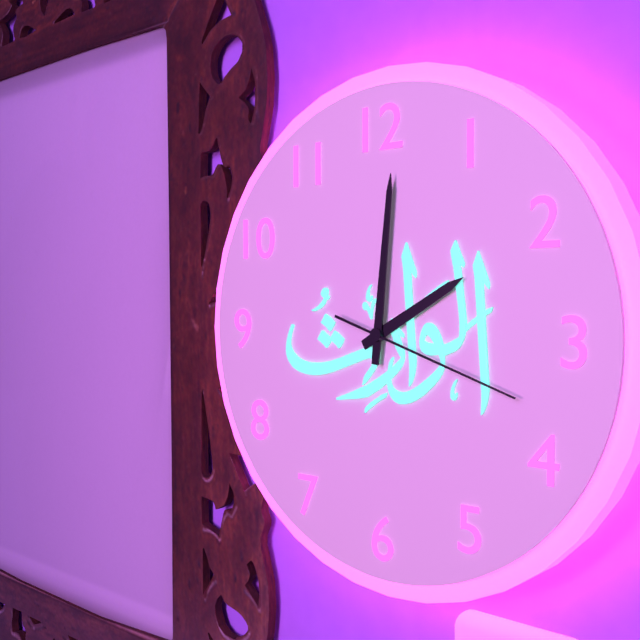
2:01:18
